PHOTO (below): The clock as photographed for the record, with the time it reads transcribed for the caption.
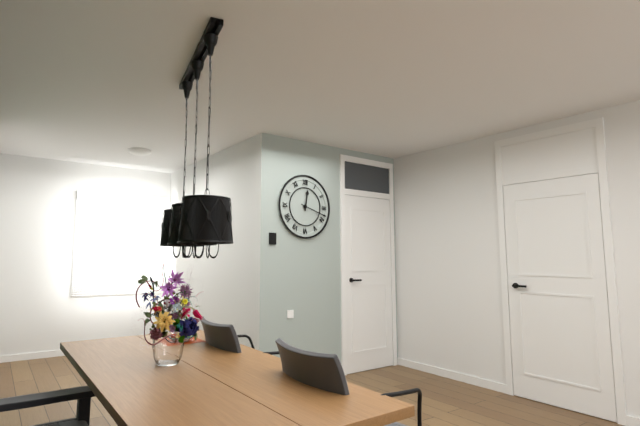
12:18
